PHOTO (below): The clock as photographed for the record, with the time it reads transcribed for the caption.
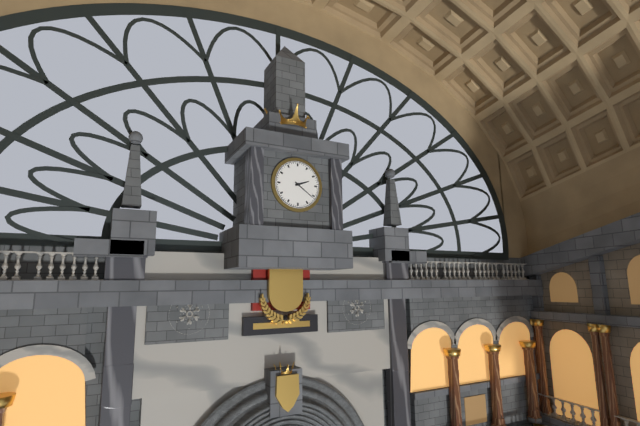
2:21
